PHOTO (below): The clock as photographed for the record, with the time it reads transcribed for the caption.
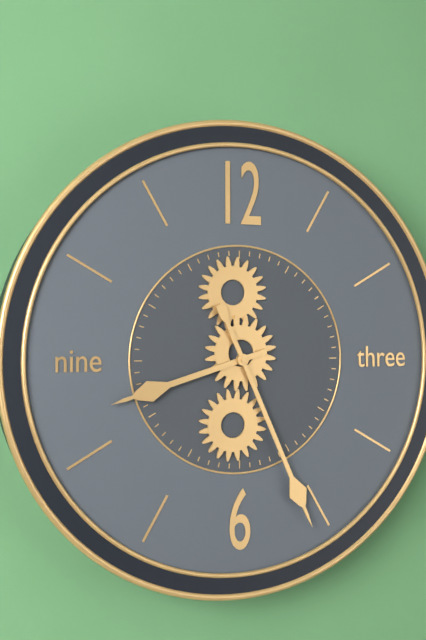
8:26
